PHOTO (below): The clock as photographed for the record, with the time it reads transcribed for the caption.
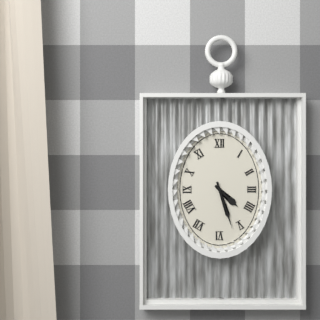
4:27
